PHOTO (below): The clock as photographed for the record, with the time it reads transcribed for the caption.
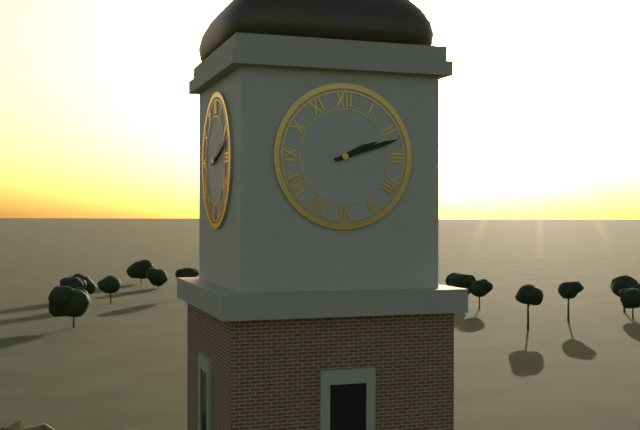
2:12
